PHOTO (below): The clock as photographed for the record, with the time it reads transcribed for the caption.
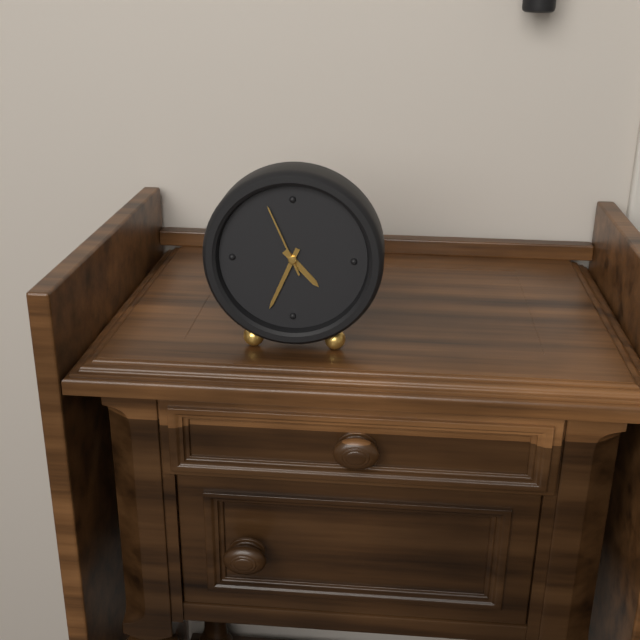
4:34:56
